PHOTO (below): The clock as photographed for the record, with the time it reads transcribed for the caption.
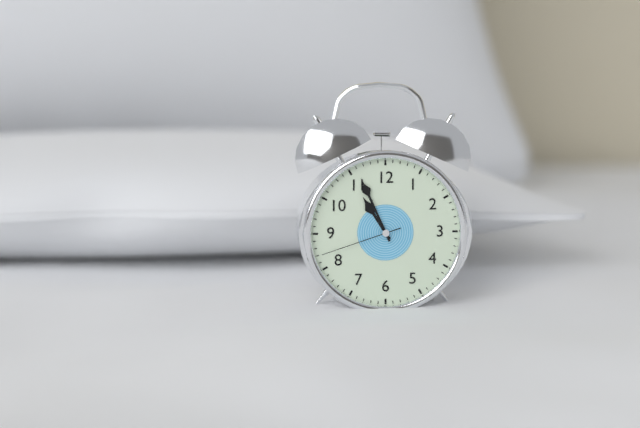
10:56:42
